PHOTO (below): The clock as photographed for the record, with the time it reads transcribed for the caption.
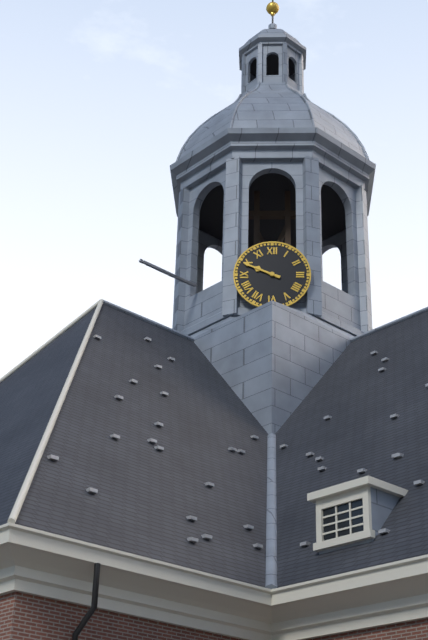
9:49
